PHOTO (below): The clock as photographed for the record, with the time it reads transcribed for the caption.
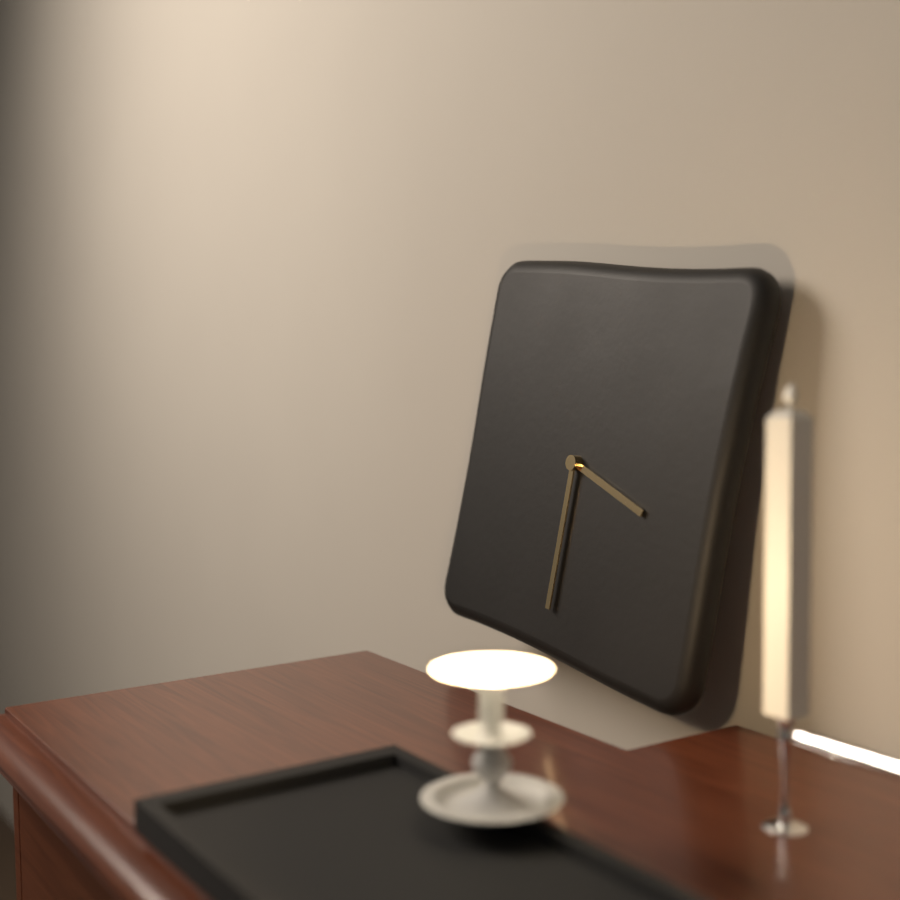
3:30
